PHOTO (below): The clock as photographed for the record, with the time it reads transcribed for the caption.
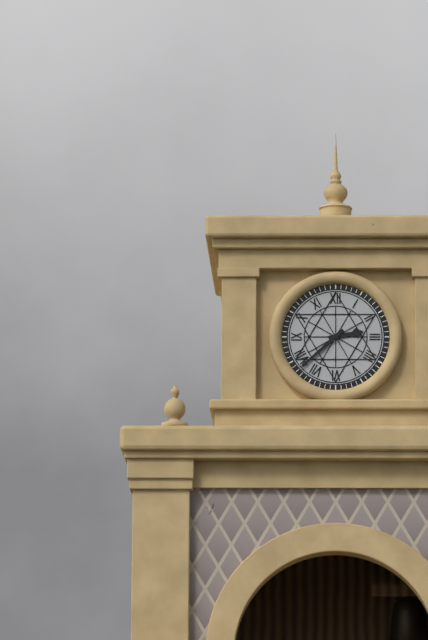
2:38
